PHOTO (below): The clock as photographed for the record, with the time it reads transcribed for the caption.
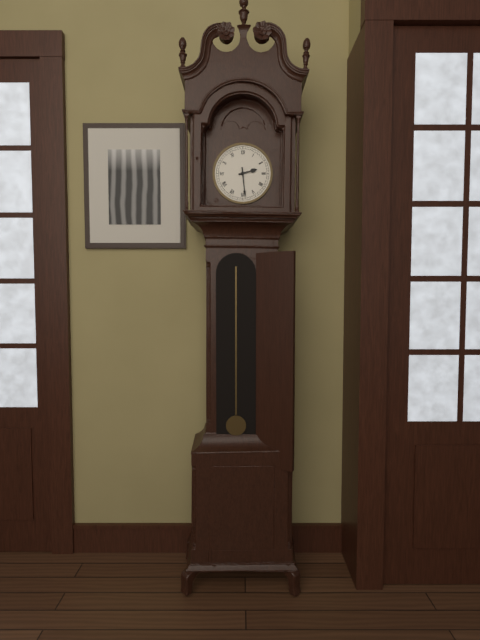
2:29
